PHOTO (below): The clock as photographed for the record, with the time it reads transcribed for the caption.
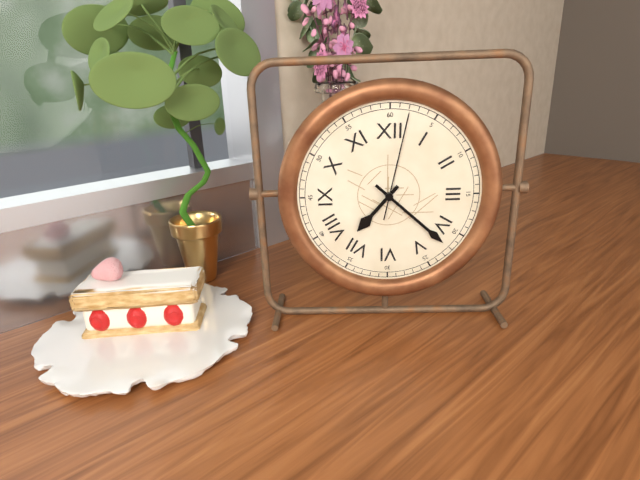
7:22:02
